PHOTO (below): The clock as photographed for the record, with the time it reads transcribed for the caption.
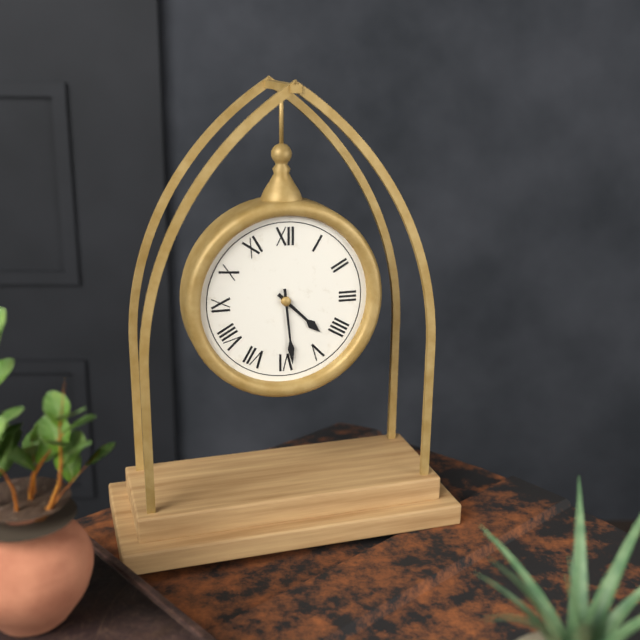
4:29
